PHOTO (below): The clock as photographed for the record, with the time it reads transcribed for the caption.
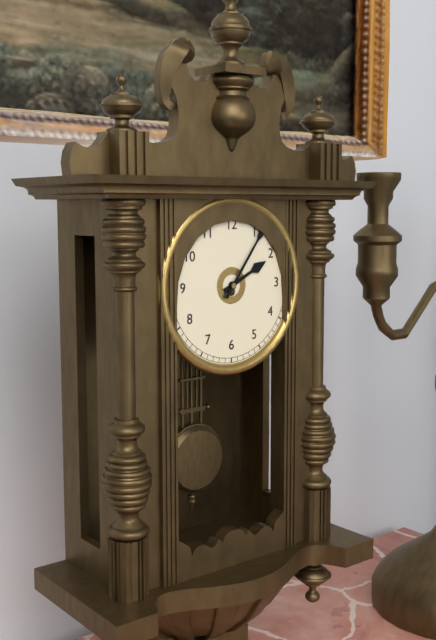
2:06
